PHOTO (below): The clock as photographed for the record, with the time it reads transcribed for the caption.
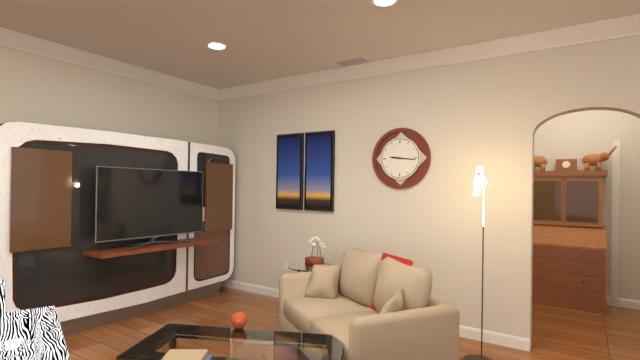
9:16
